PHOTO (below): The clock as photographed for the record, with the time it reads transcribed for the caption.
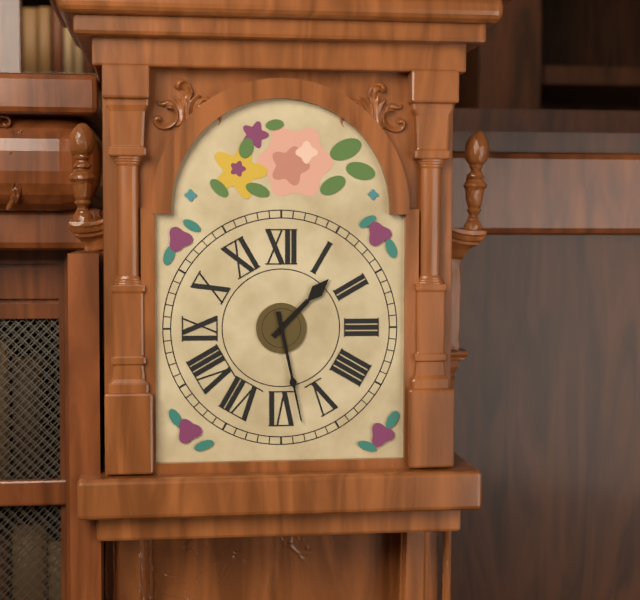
1:28
